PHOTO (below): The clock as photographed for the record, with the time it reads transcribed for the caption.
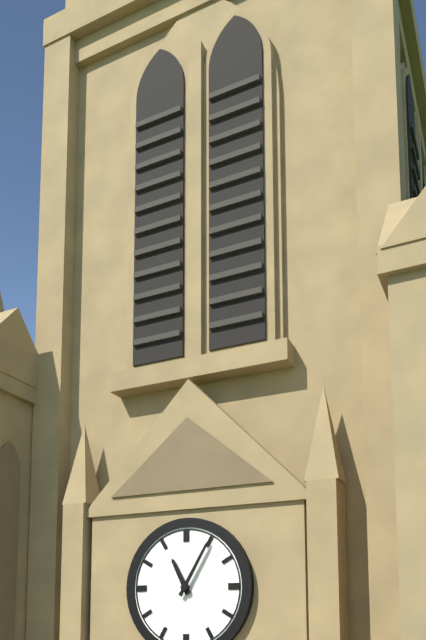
11:05
